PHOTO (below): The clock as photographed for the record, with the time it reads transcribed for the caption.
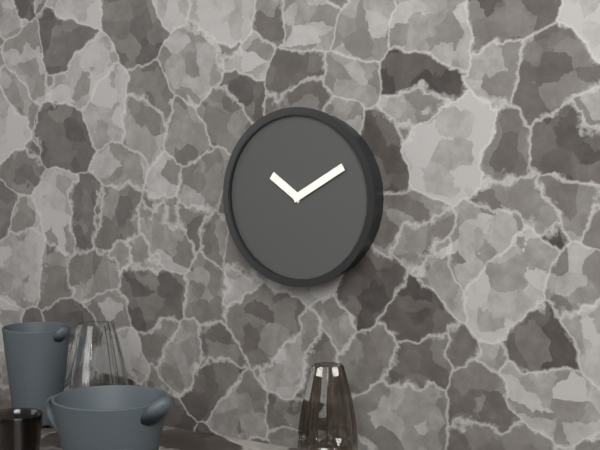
10:10
